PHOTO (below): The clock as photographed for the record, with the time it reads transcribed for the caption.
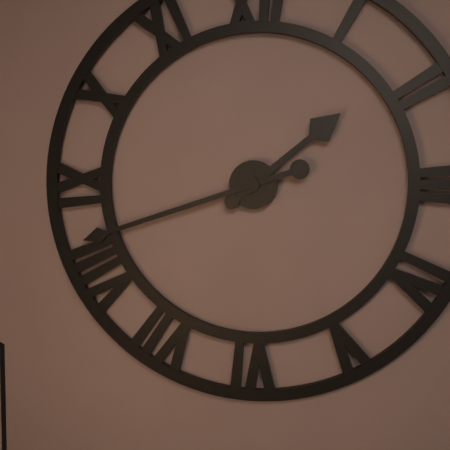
1:42
